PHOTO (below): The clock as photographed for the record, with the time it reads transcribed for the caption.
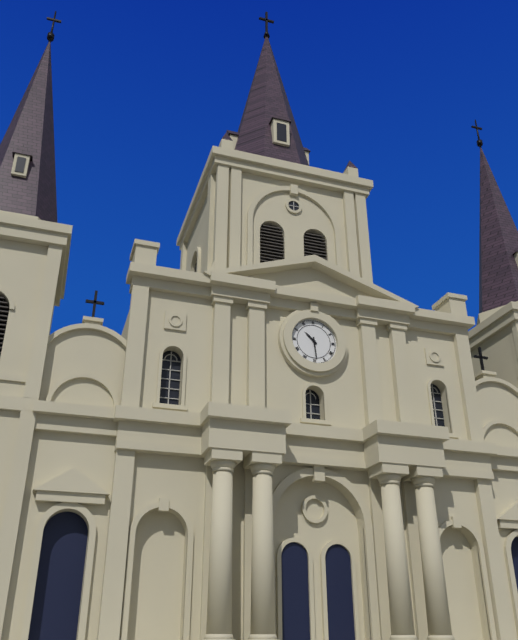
10:29
